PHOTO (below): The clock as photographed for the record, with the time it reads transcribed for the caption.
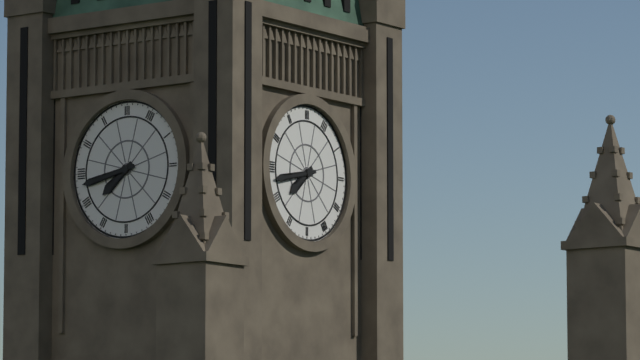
7:43
